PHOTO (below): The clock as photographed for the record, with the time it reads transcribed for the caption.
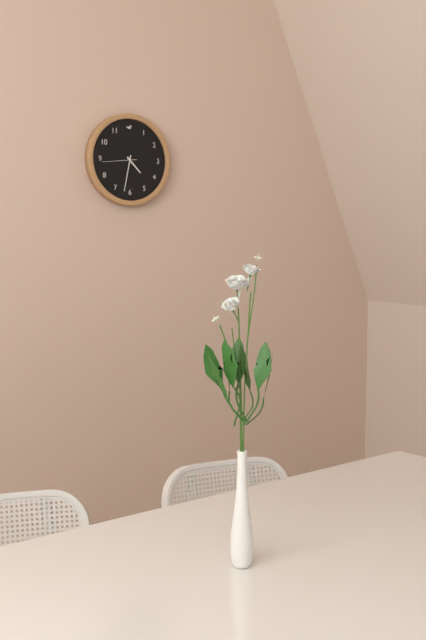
4:32
